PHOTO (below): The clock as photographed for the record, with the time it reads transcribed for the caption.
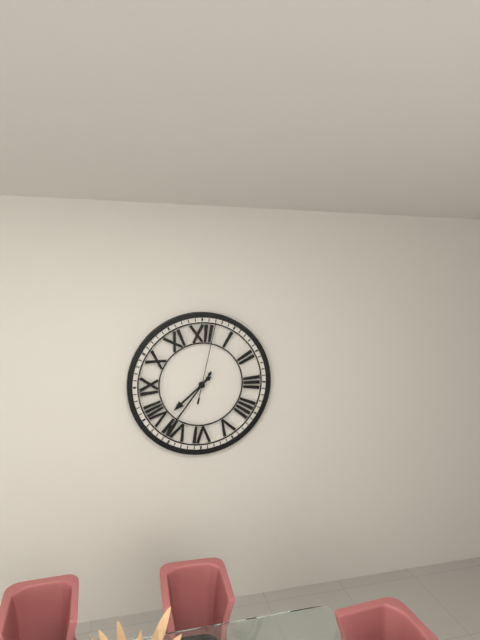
7:36:02
